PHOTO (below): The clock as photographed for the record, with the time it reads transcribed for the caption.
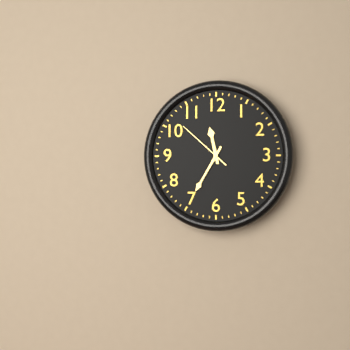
11:35:52
